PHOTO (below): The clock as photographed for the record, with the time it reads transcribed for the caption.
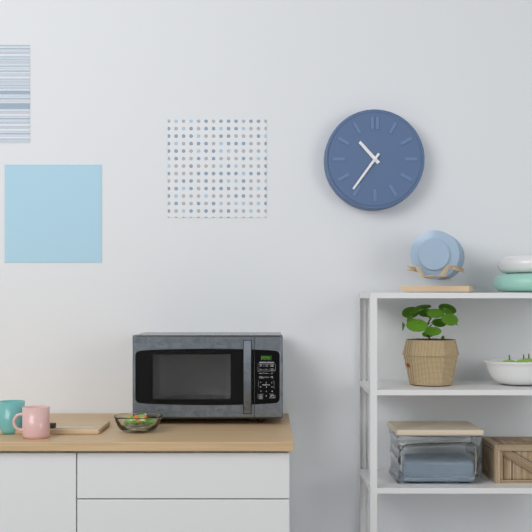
10:36
